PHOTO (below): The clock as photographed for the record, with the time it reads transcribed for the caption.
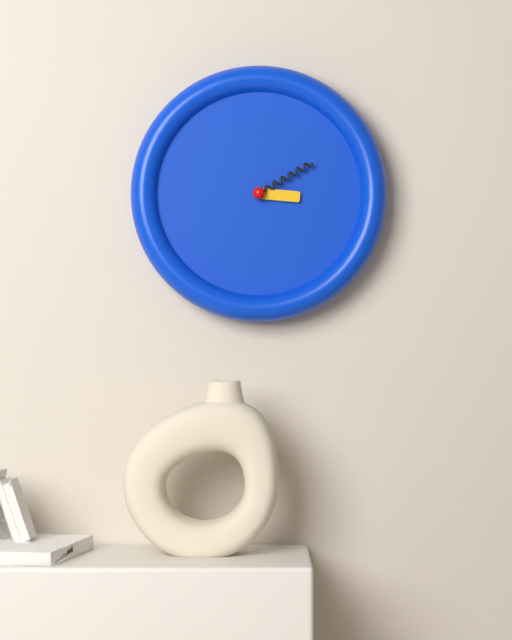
3:10
